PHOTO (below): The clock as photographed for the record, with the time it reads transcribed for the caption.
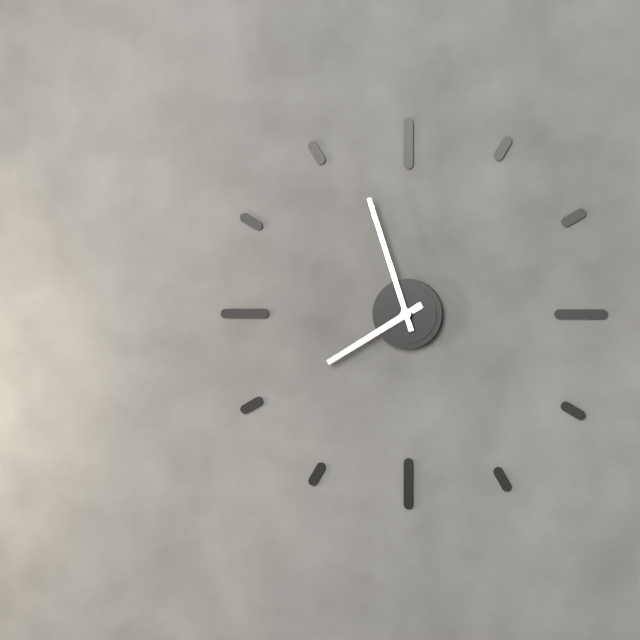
7:57
